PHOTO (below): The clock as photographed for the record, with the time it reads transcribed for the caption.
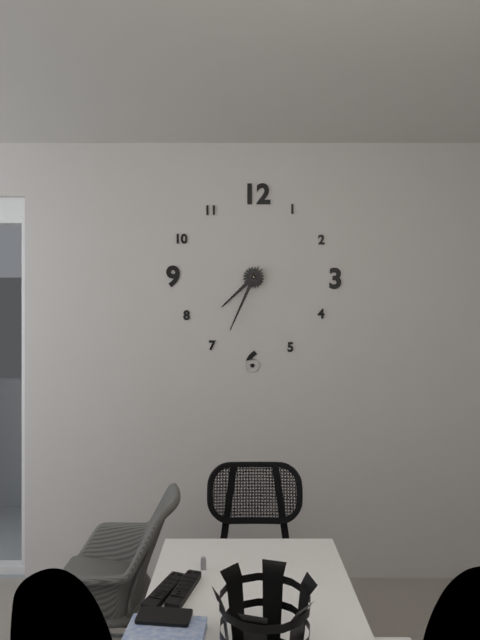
7:34
